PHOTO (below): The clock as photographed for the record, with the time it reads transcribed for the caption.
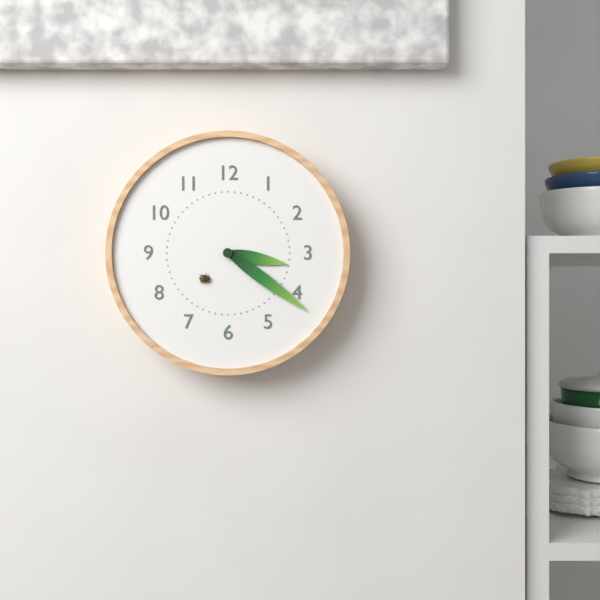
3:21
